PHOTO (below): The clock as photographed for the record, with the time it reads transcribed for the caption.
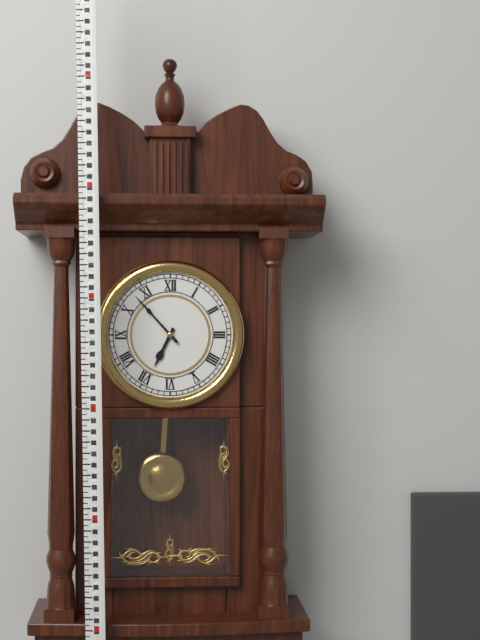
6:53
